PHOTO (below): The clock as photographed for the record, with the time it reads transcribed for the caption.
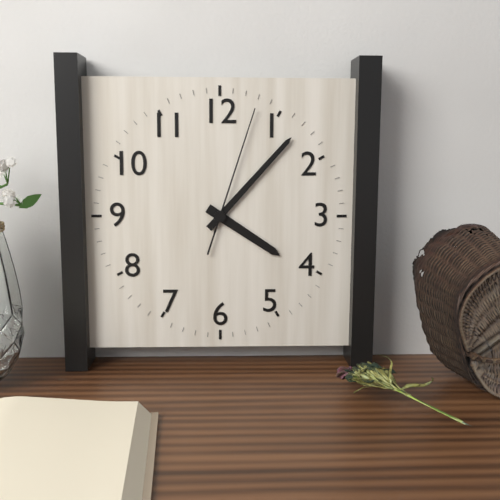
4:07:03
